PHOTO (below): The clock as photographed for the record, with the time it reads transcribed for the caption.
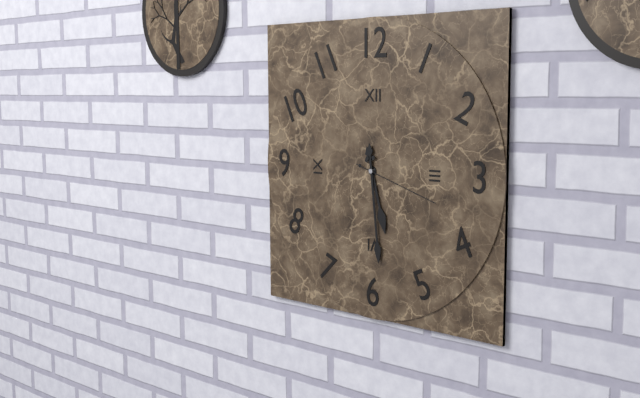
5:29:18
